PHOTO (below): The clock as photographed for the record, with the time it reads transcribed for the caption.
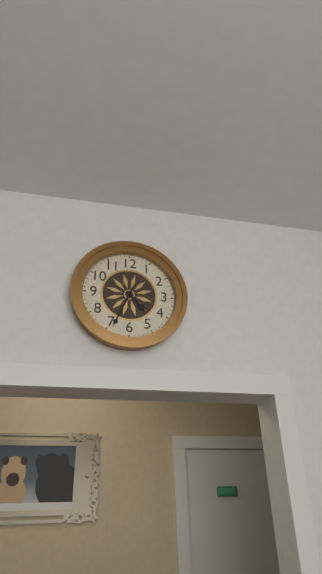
4:34
